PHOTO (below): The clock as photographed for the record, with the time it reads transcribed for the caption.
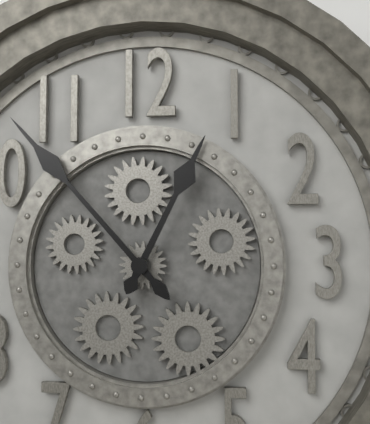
12:53
